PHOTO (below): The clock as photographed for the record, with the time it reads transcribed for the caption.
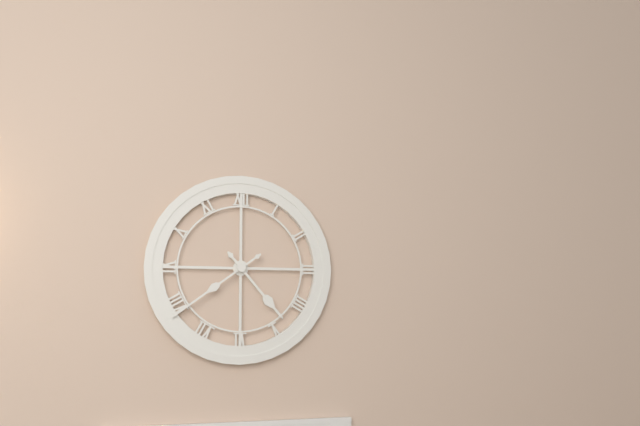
4:39
